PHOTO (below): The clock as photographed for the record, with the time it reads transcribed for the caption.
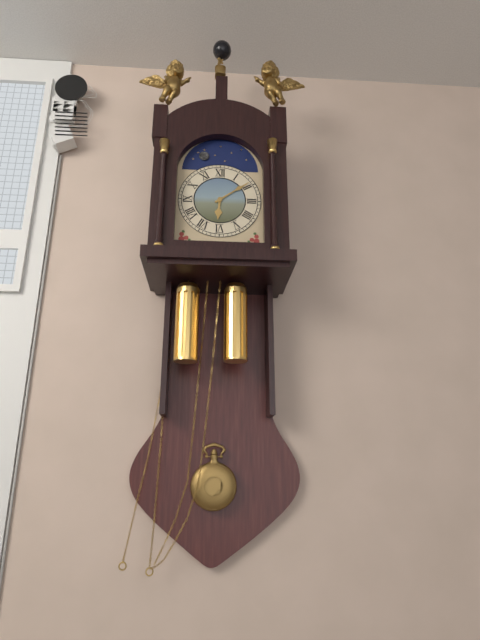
6:09
